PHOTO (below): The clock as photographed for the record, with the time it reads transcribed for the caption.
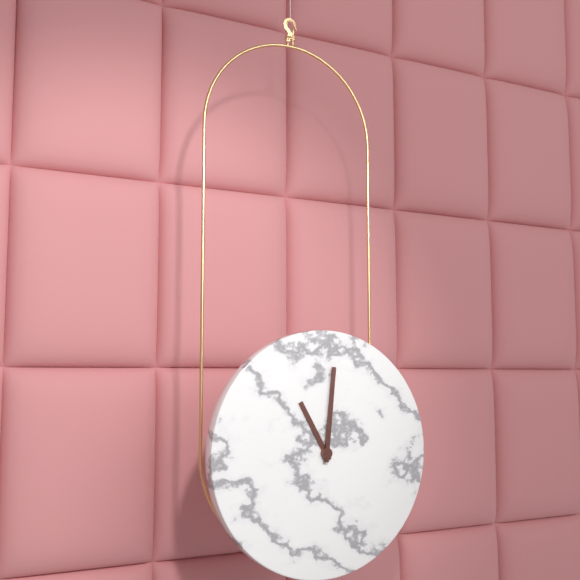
11:01
